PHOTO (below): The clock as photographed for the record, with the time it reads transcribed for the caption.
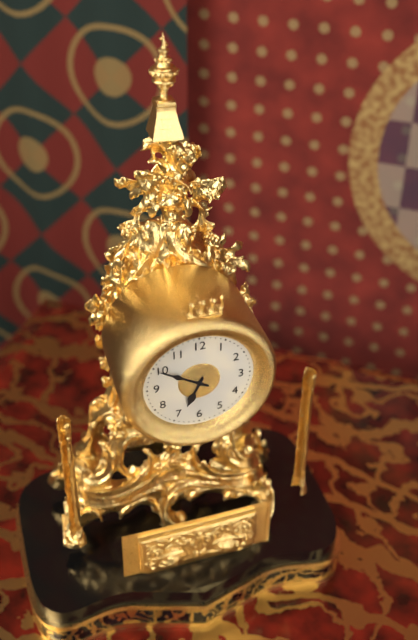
6:50
